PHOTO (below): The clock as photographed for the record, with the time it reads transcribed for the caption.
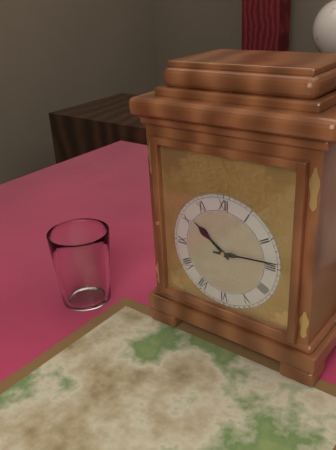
10:14
